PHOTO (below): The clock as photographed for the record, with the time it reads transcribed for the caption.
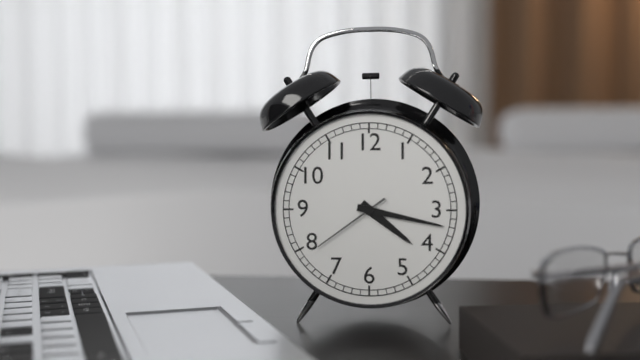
4:17:39
